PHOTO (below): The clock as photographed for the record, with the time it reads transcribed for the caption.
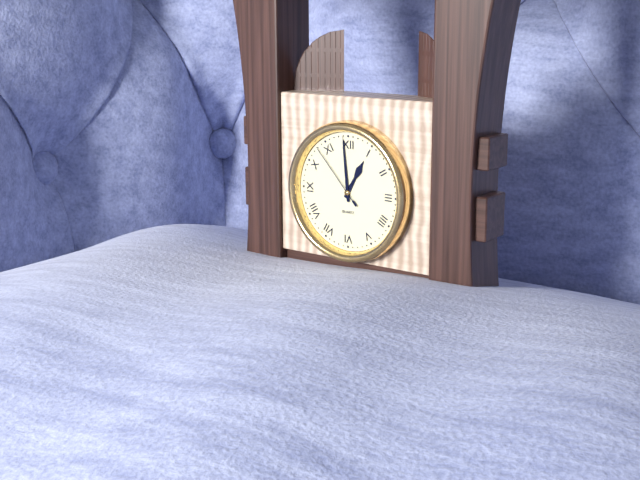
12:59:53
